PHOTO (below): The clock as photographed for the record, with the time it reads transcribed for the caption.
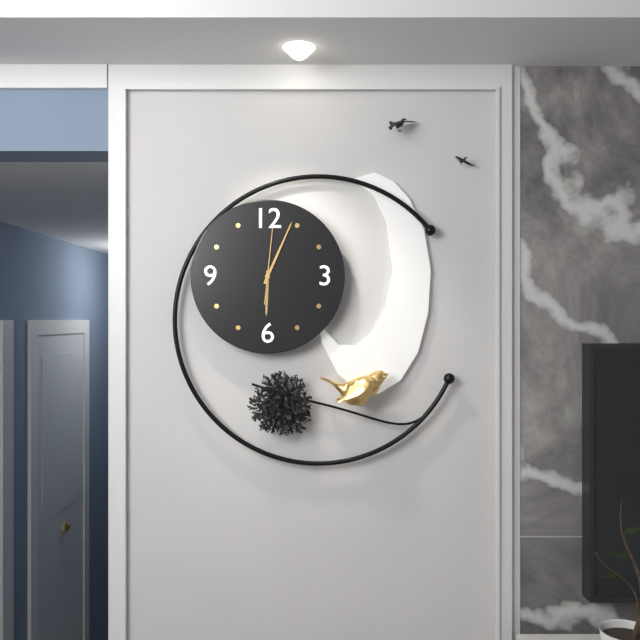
6:04:01
